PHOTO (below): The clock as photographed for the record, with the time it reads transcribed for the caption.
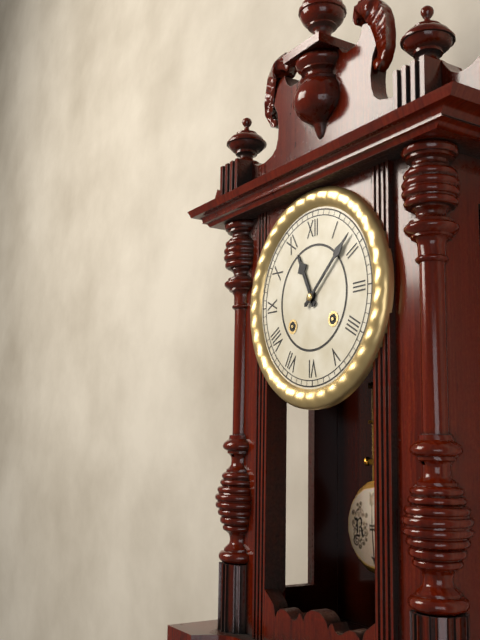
11:08
